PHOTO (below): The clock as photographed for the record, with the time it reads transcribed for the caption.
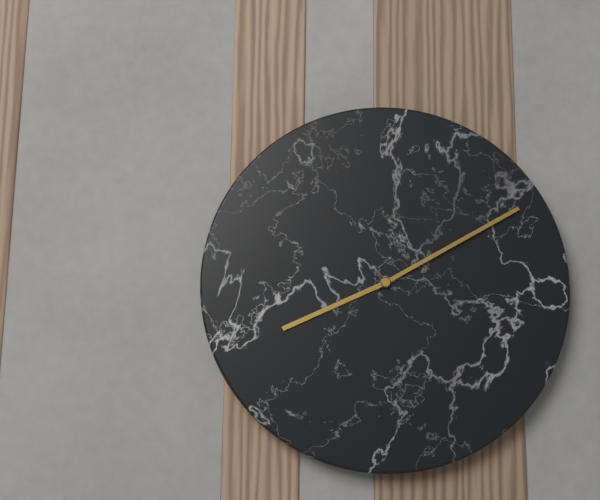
8:10
